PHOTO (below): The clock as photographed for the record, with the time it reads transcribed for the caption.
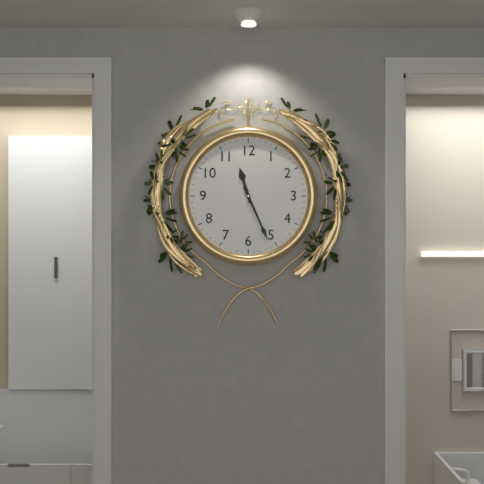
11:26
